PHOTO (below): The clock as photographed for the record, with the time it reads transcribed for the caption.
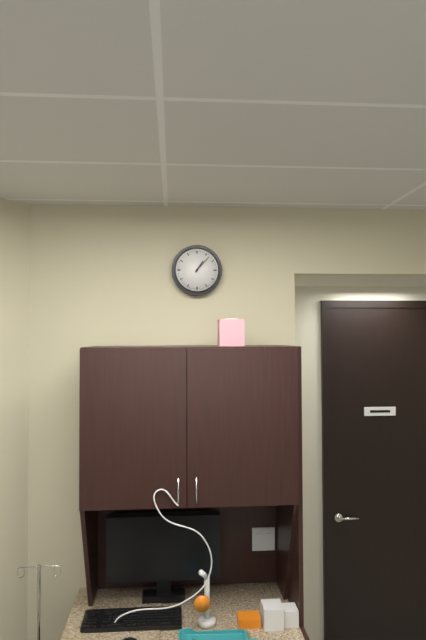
1:07
